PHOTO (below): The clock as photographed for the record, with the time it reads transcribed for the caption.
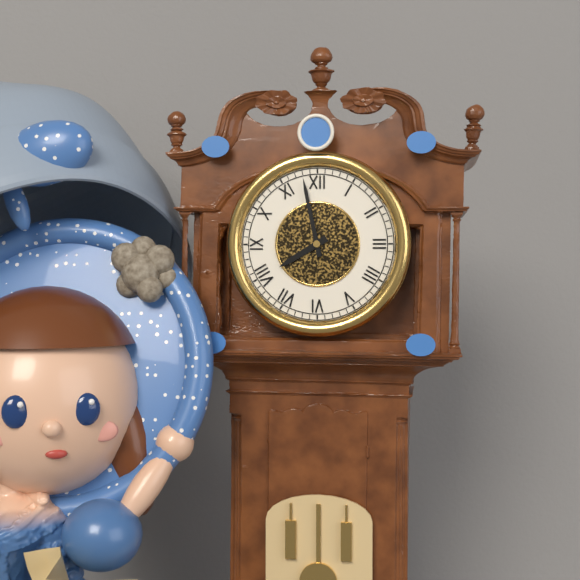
7:58
